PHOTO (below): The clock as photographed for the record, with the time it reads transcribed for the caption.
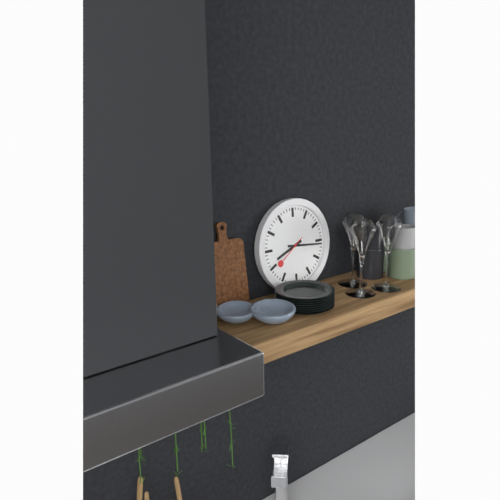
8:16
